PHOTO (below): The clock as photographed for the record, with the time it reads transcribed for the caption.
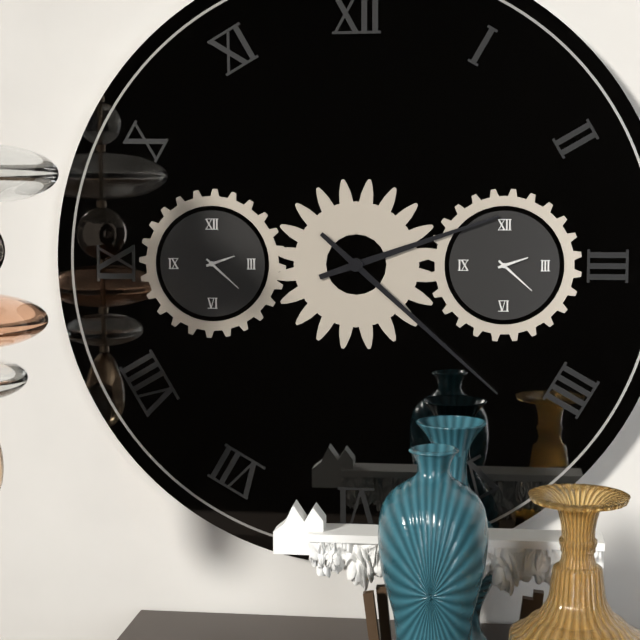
2:22
